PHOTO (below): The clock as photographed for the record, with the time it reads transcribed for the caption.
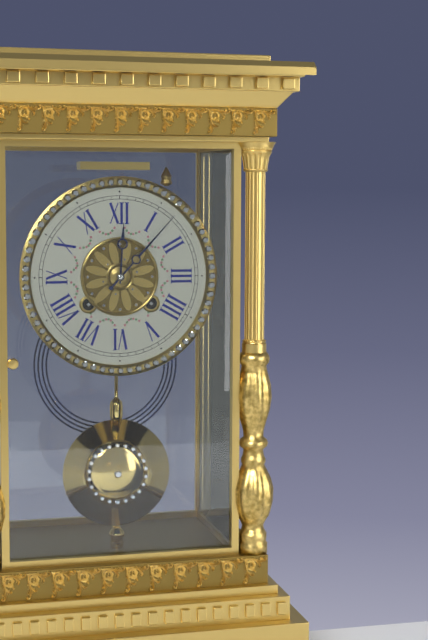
12:07
